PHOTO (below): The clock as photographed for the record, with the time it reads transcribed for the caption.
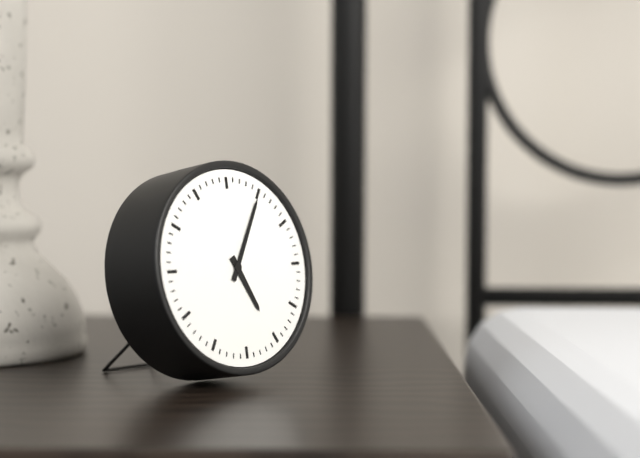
5:05
